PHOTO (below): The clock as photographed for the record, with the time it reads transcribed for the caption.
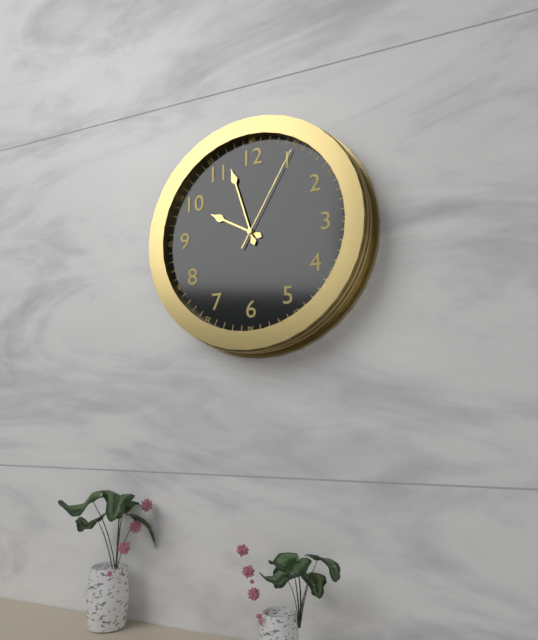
9:57:05
